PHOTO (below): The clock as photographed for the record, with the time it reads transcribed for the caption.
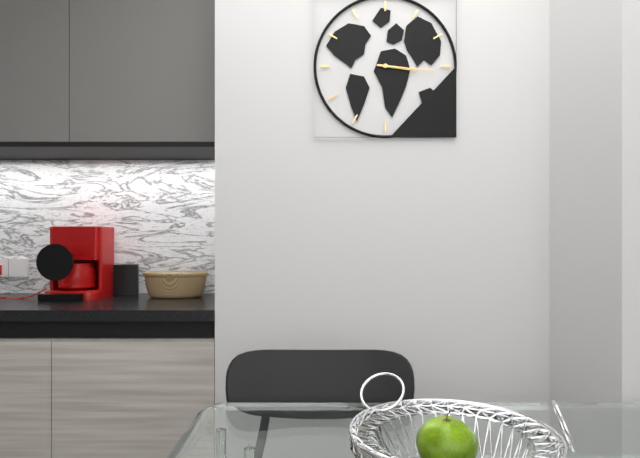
3:16
